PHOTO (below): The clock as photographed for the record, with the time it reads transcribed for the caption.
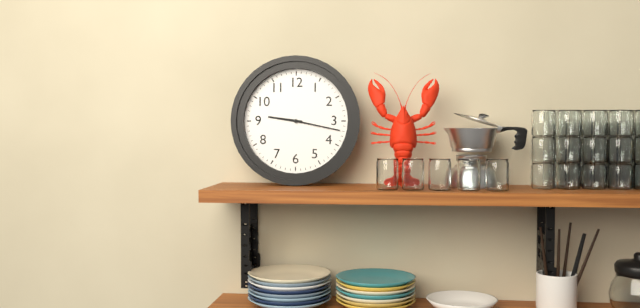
9:17
